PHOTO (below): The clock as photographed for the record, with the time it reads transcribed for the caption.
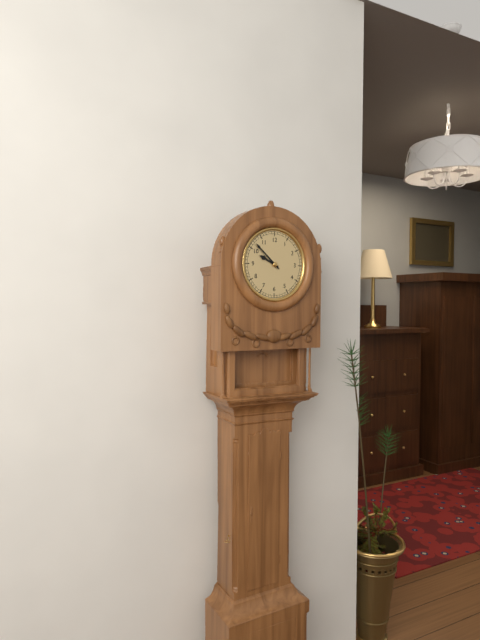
9:52
